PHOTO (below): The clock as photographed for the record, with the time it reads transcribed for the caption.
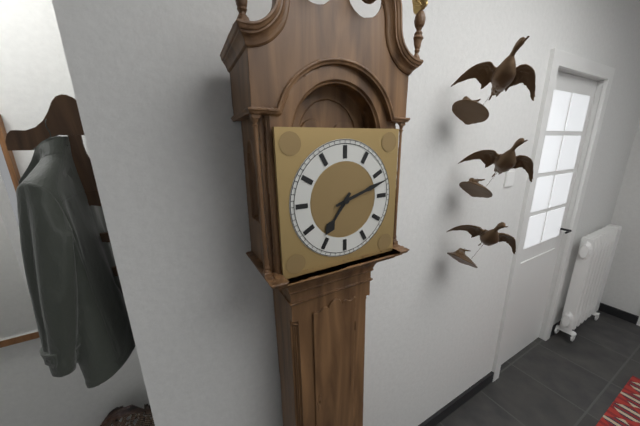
7:12
